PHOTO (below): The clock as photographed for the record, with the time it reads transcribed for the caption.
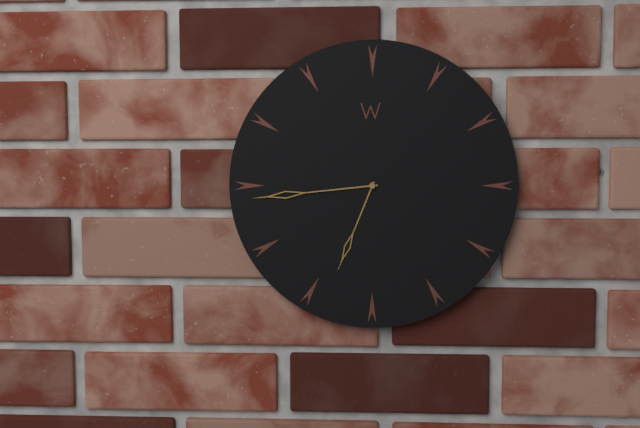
6:44
